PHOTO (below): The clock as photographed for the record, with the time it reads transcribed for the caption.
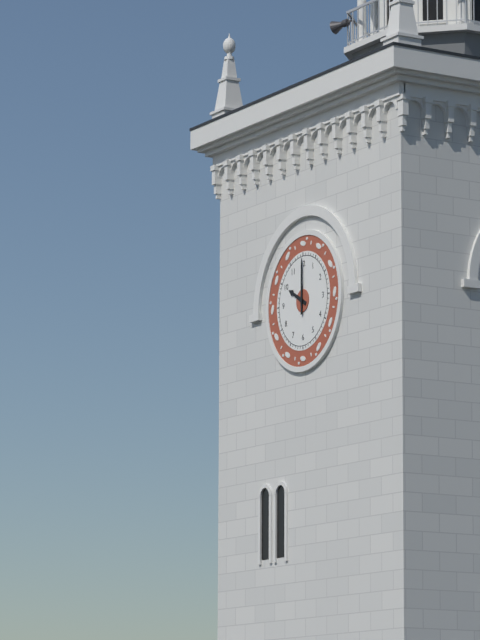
10:00
